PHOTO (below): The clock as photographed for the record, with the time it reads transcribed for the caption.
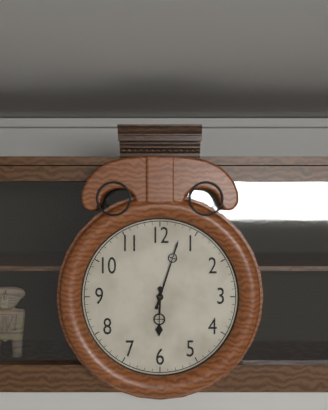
6:03
